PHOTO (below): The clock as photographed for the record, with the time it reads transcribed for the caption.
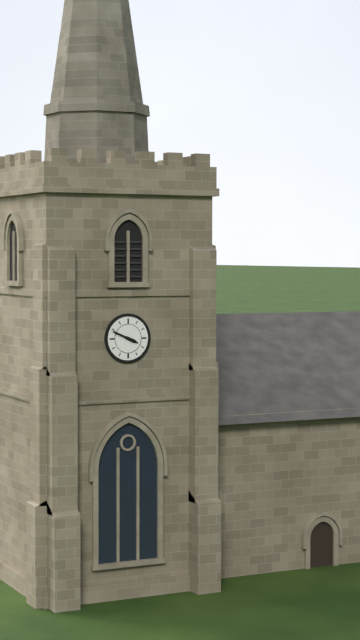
3:49
